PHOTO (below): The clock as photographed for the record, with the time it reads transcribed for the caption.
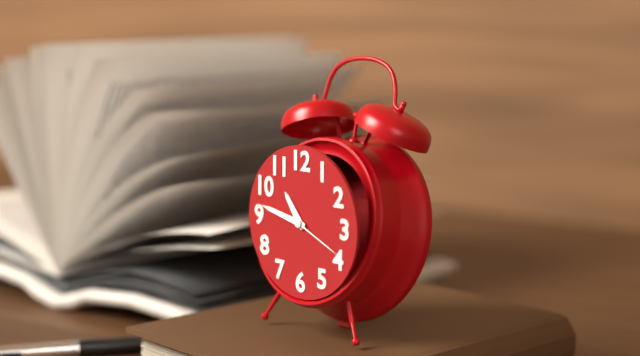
10:47:19
